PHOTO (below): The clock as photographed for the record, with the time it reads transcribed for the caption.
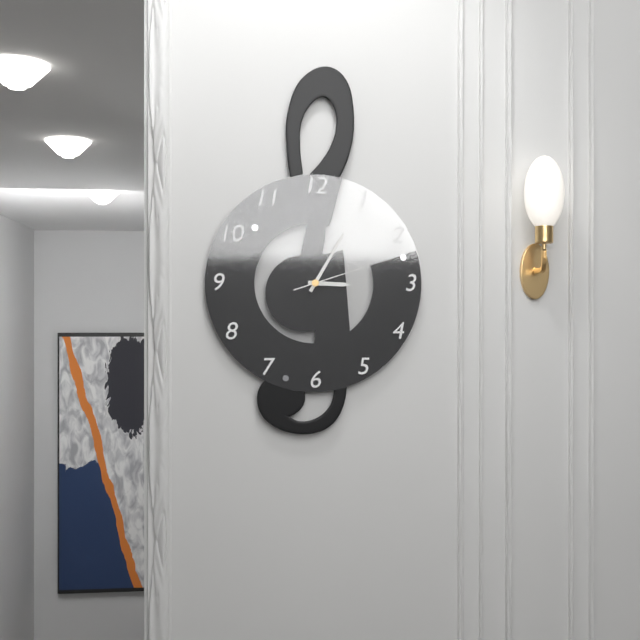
3:05:12
